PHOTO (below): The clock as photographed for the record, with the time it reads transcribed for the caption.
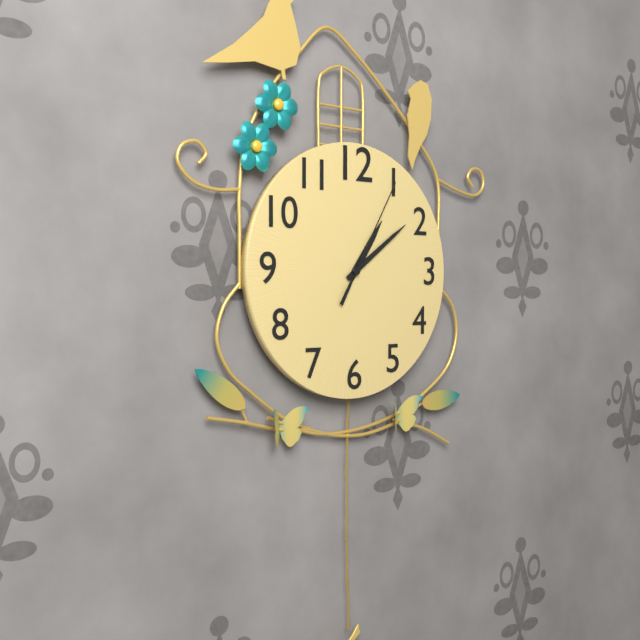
1:09:05
